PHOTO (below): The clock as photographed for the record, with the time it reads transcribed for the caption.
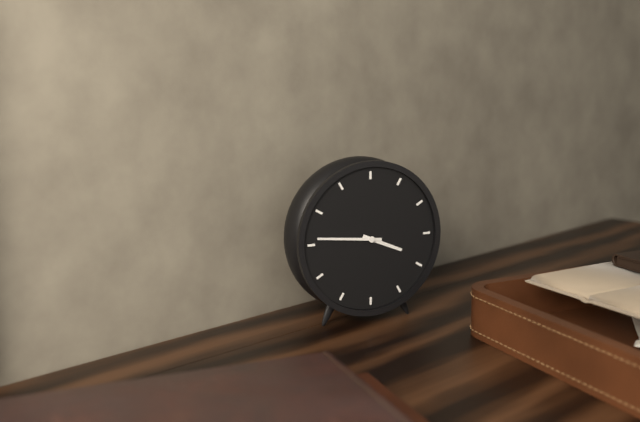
3:46
